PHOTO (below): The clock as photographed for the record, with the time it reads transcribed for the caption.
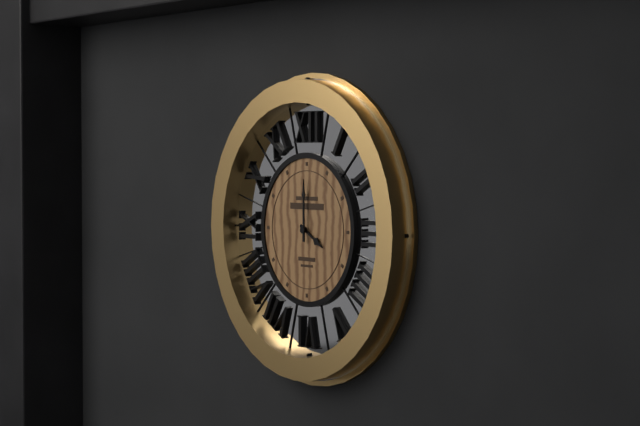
4:00
